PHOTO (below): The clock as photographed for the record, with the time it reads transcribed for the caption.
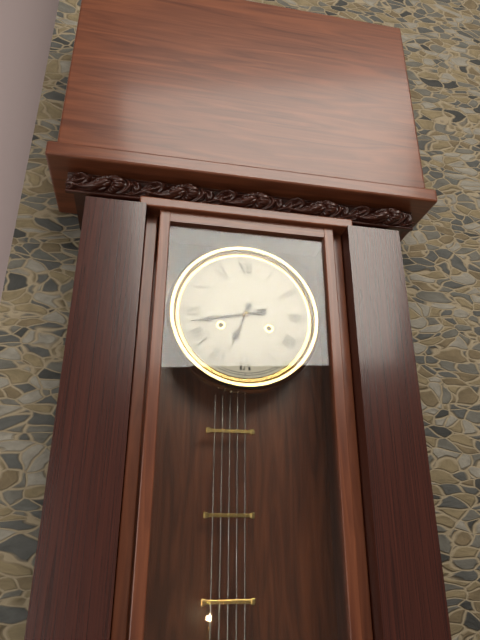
6:43
